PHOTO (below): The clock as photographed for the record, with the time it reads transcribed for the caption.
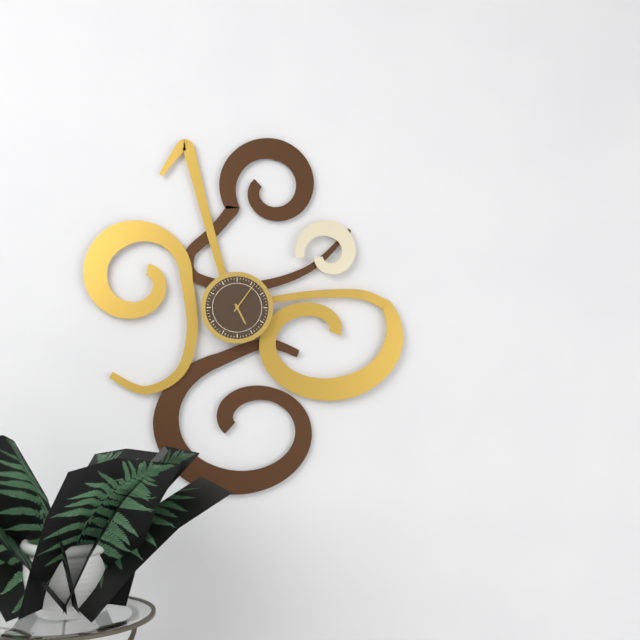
5:06
